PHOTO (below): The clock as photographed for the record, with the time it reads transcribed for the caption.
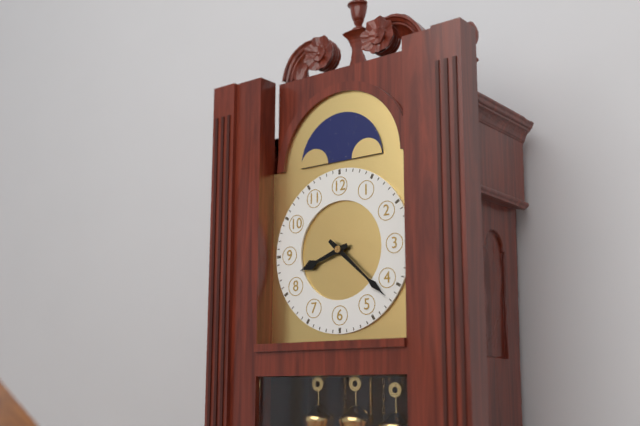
8:22
